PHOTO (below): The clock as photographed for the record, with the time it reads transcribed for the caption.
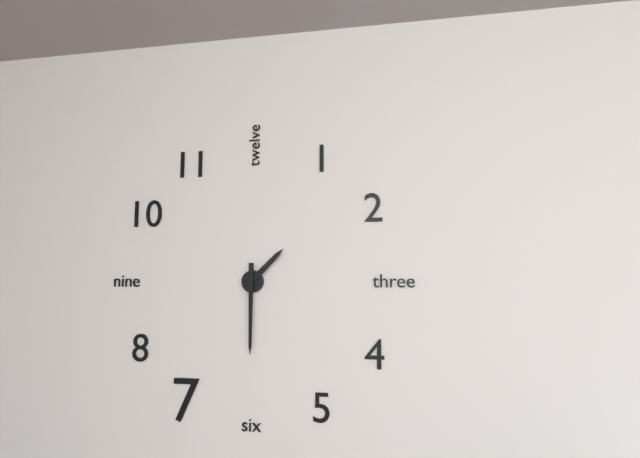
1:30
